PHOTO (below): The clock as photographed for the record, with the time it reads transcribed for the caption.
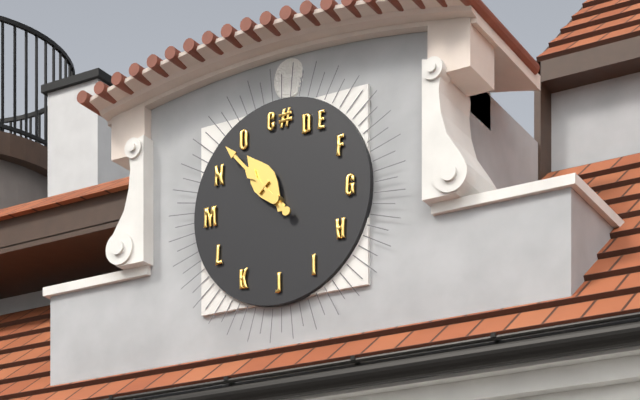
10:53
